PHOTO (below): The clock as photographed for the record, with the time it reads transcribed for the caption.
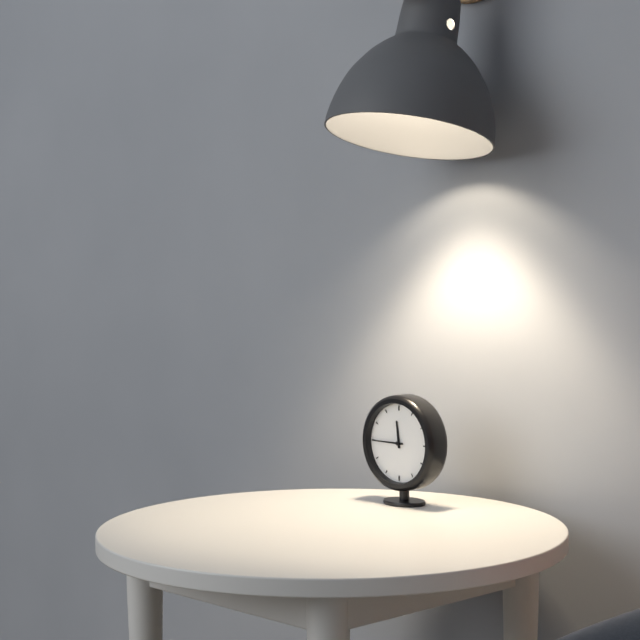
11:45
